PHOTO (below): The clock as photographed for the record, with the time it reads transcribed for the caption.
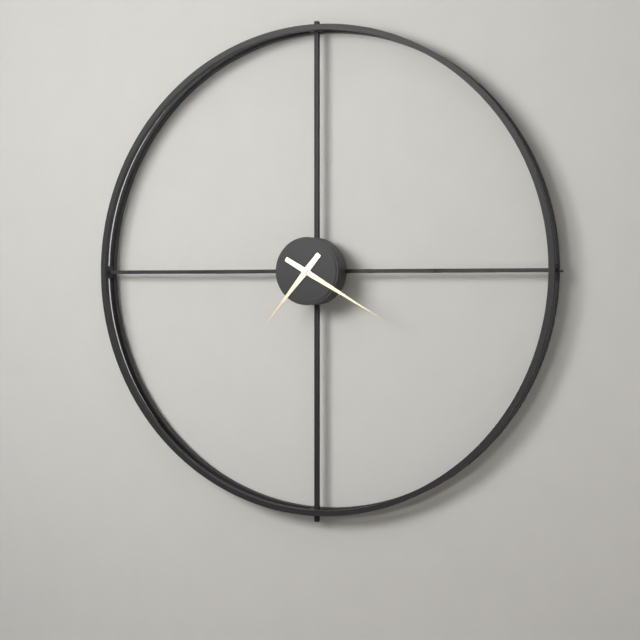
7:20
